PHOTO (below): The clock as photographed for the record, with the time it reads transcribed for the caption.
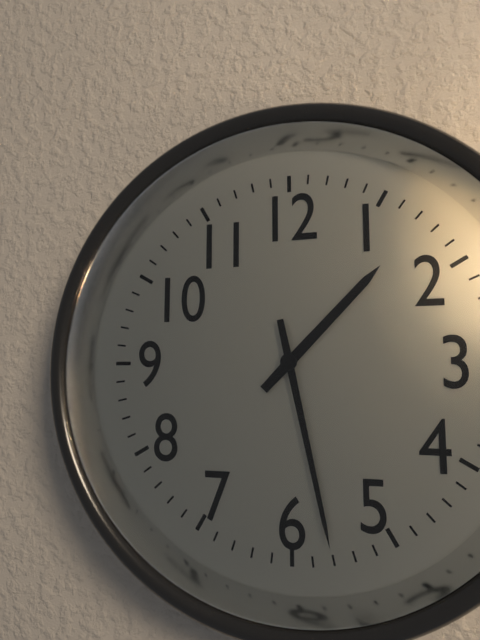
1:28
